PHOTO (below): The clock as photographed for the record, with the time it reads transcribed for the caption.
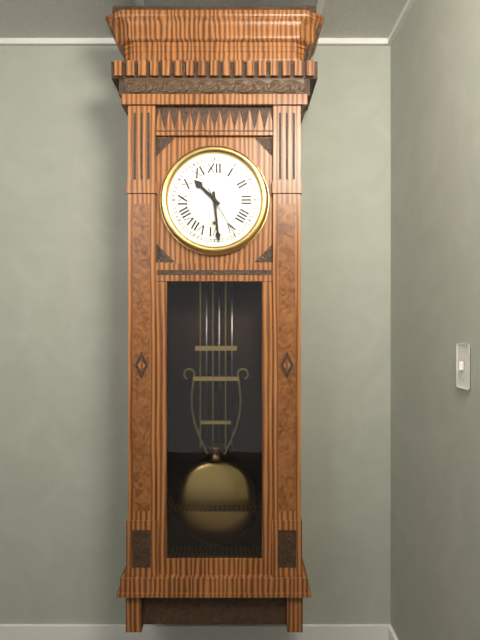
10:29
